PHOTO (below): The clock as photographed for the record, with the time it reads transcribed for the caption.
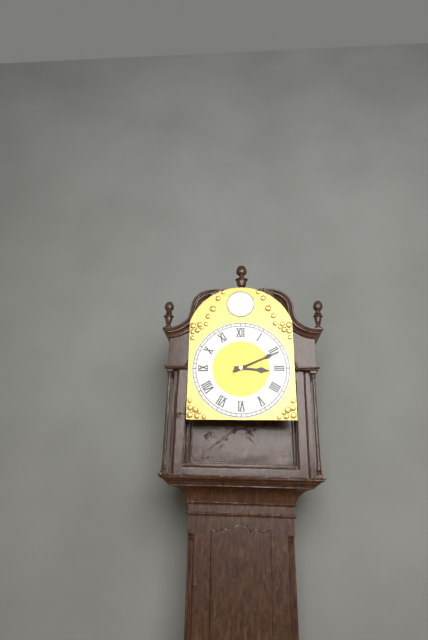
3:11
